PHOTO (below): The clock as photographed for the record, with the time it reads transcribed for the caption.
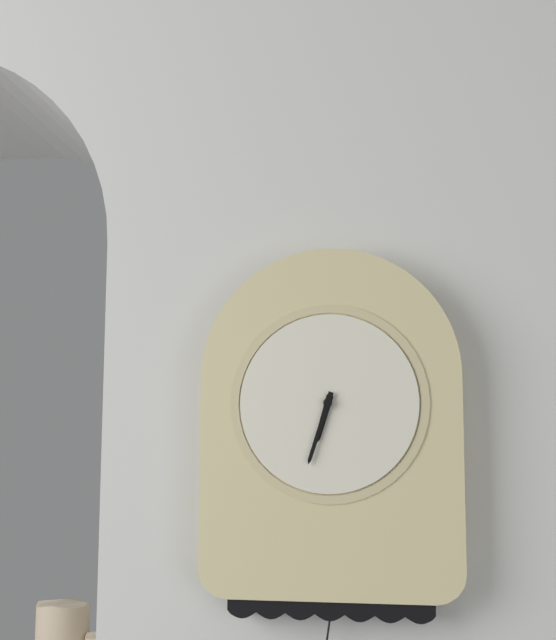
6:33
